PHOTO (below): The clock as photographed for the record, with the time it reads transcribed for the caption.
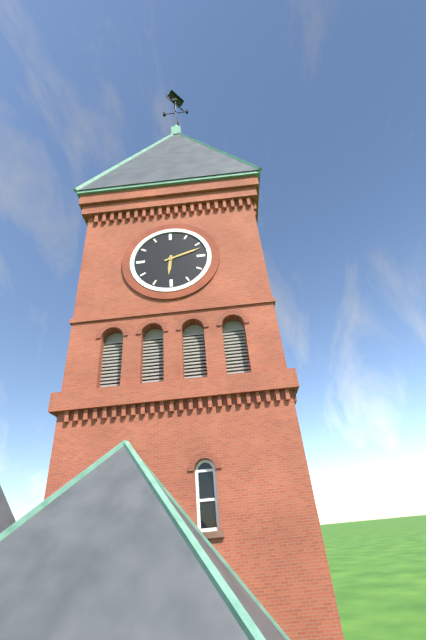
6:12
